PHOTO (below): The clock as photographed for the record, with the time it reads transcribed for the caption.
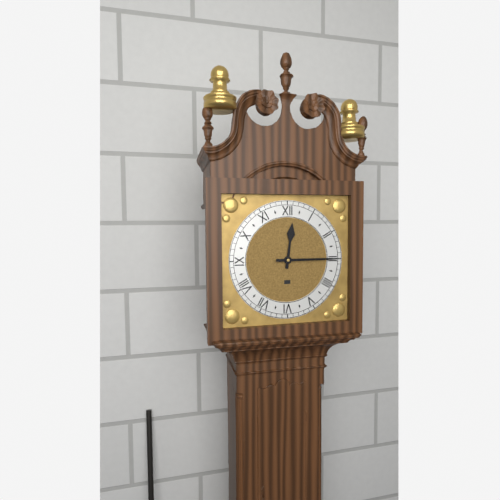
12:15
